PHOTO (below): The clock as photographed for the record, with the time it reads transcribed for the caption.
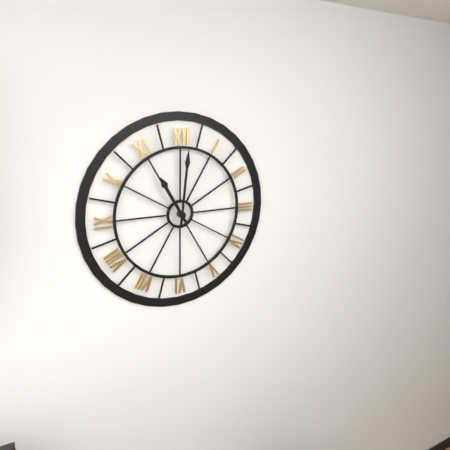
11:01
